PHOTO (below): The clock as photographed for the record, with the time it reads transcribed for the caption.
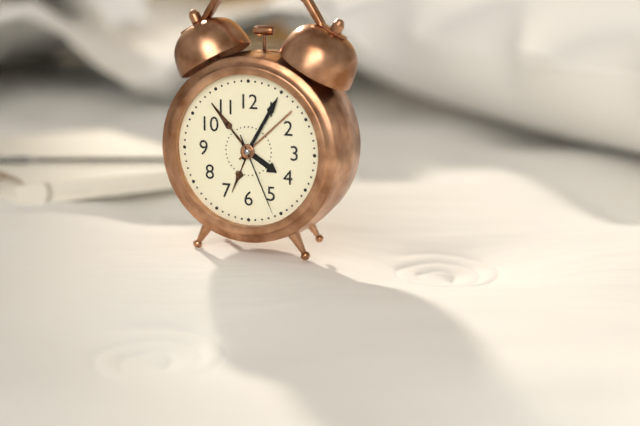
4:05:26
